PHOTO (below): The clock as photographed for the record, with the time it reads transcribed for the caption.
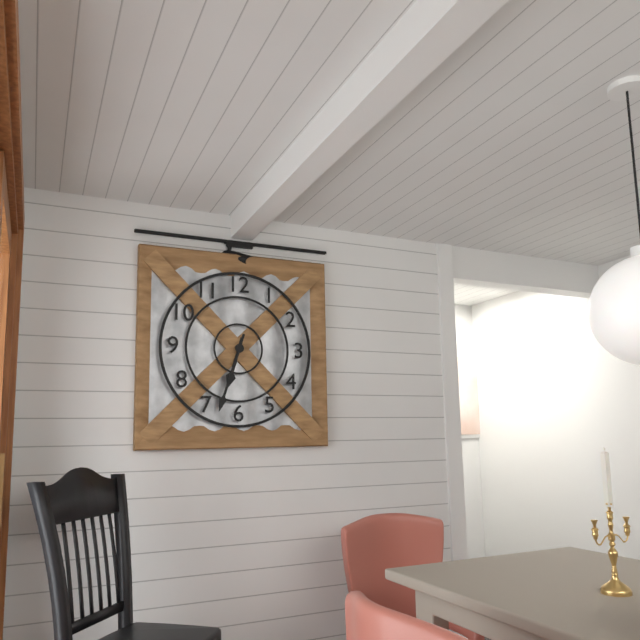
6:33
